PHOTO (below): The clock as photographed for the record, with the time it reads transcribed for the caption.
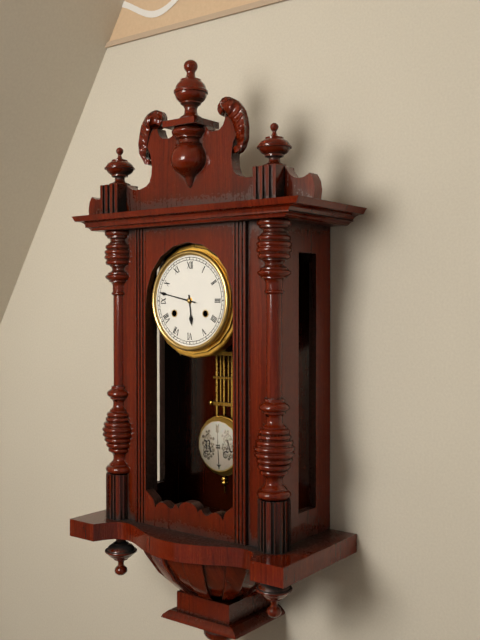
5:47
